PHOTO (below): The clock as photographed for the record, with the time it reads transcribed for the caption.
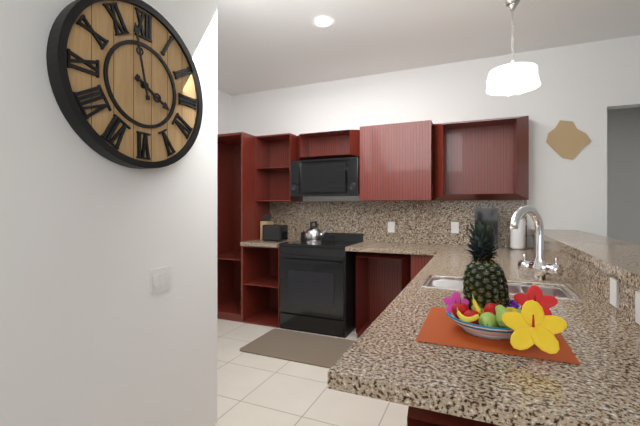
3:58
